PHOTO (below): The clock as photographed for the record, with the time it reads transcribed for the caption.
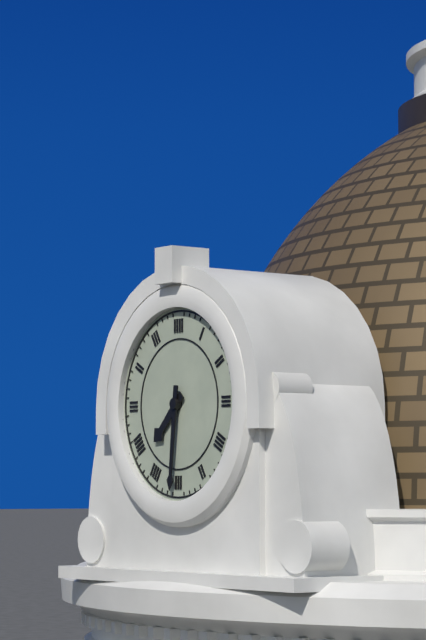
7:31
